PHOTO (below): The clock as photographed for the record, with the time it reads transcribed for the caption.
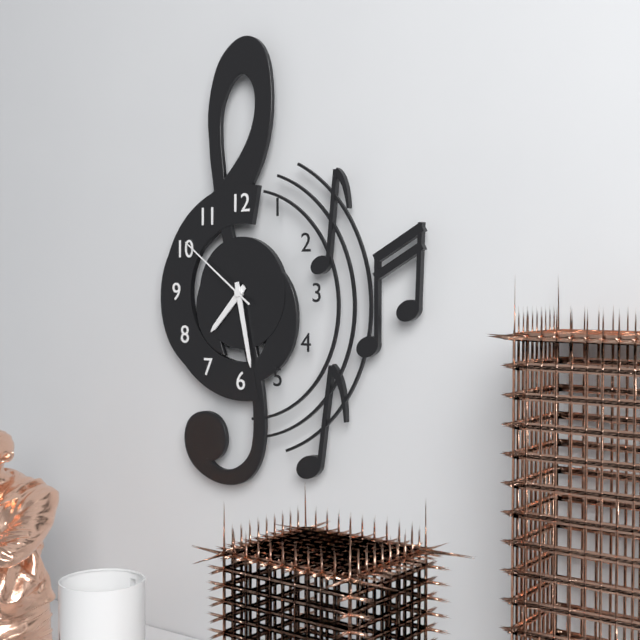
7:28:51
